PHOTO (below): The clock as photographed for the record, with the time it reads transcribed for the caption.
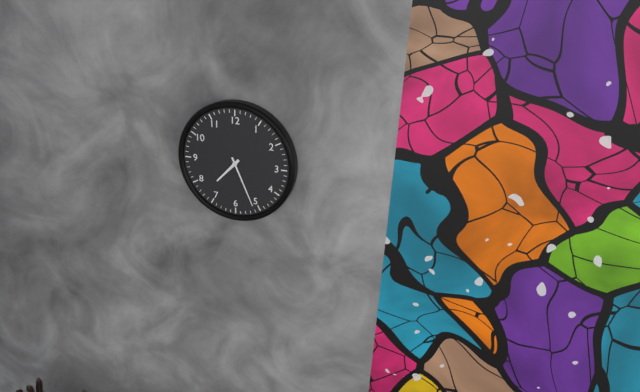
7:26
